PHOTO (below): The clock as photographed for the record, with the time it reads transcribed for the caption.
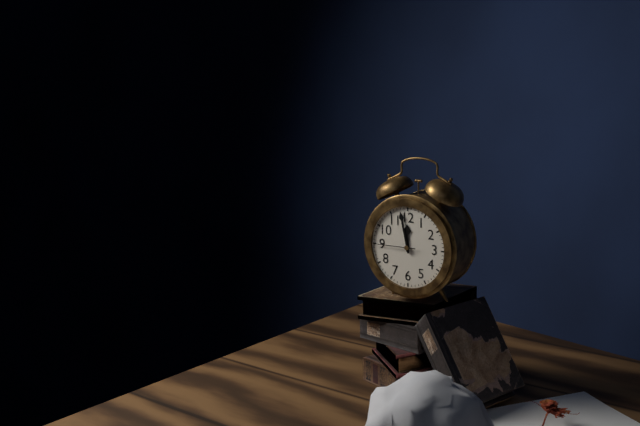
11:58
